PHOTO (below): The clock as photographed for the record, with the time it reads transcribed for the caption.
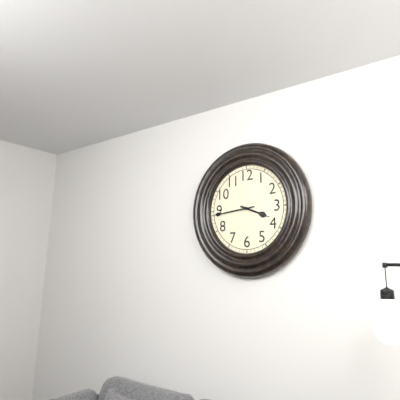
3:44
